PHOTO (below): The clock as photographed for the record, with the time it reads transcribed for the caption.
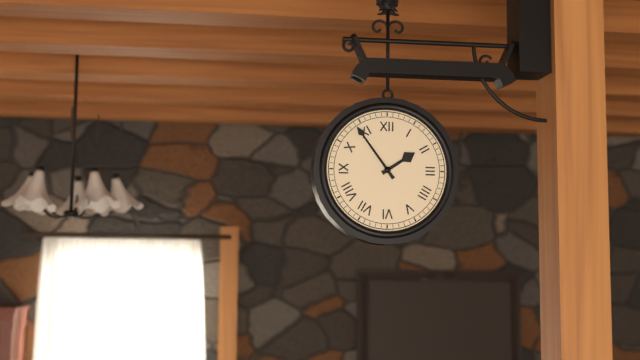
1:54
